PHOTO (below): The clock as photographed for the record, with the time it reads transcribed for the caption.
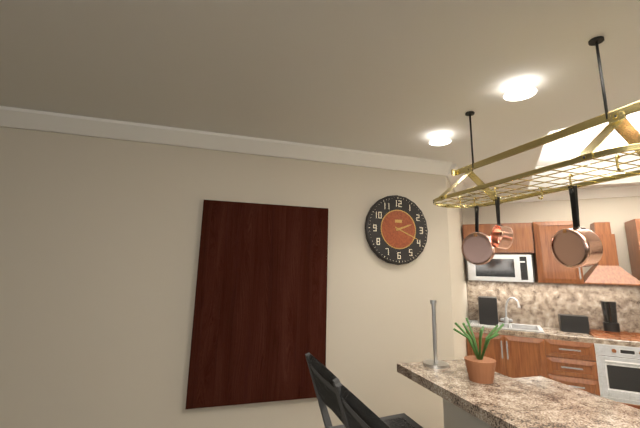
2:19
